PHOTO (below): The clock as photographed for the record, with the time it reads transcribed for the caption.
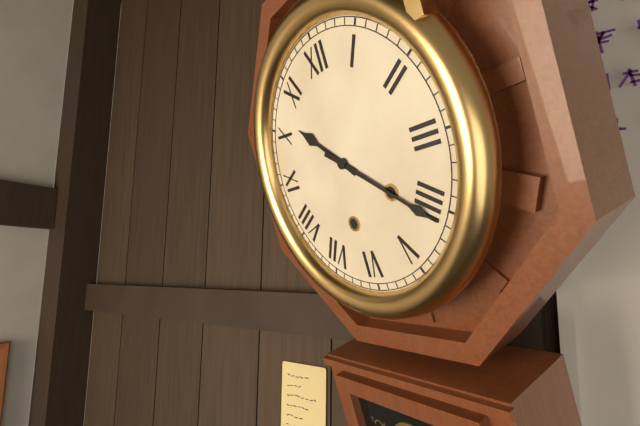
10:21
